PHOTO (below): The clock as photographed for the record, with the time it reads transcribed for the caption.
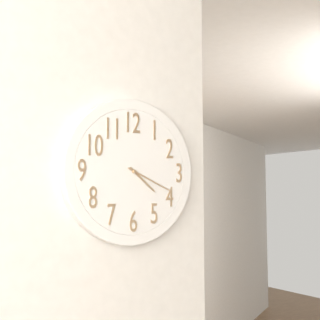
4:19
